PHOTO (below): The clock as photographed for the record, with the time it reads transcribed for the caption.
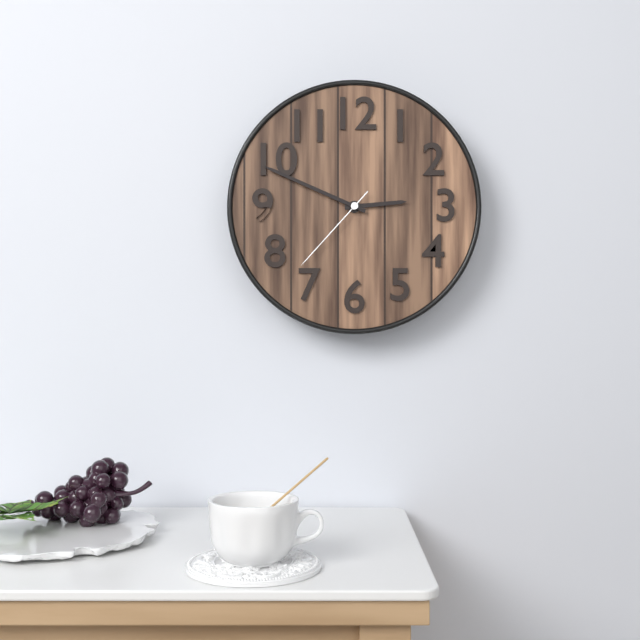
2:49:37
